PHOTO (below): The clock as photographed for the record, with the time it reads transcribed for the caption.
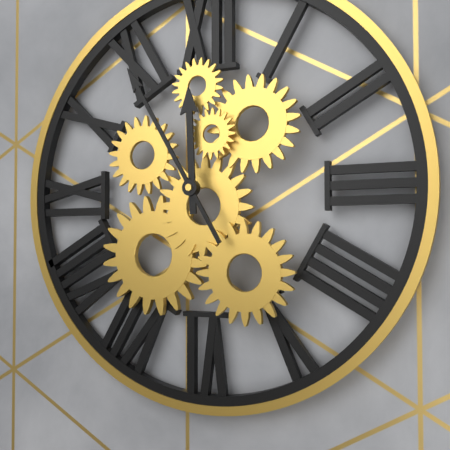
11:55
